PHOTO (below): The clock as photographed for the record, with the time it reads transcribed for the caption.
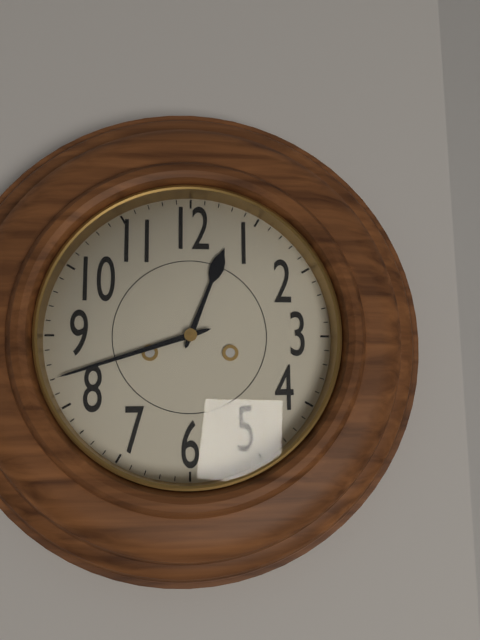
12:42
